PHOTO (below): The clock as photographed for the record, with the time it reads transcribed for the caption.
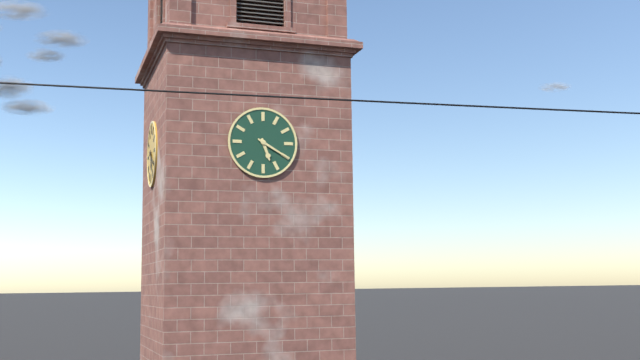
5:20
